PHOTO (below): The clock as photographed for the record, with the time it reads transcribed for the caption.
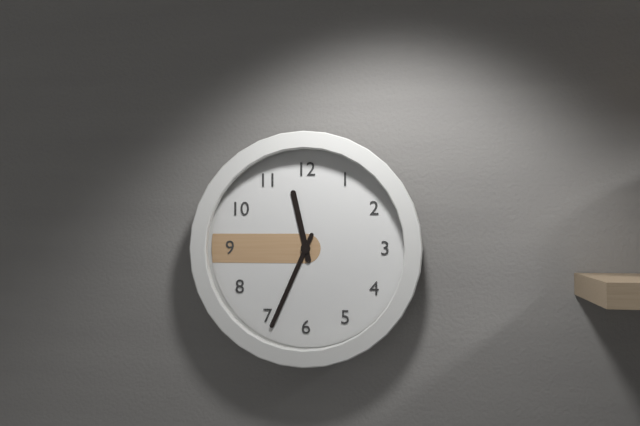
11:34
